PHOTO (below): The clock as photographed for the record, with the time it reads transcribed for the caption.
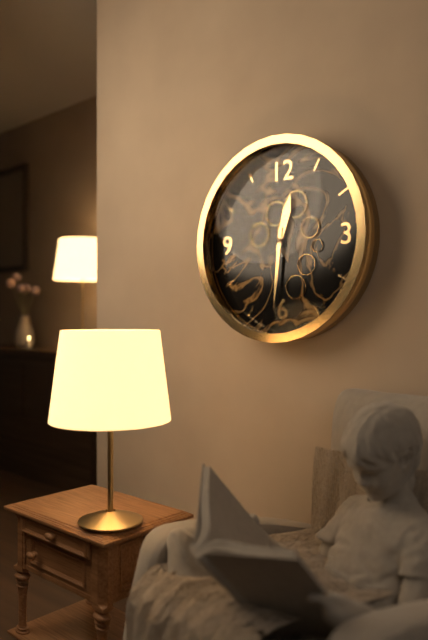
12:31
